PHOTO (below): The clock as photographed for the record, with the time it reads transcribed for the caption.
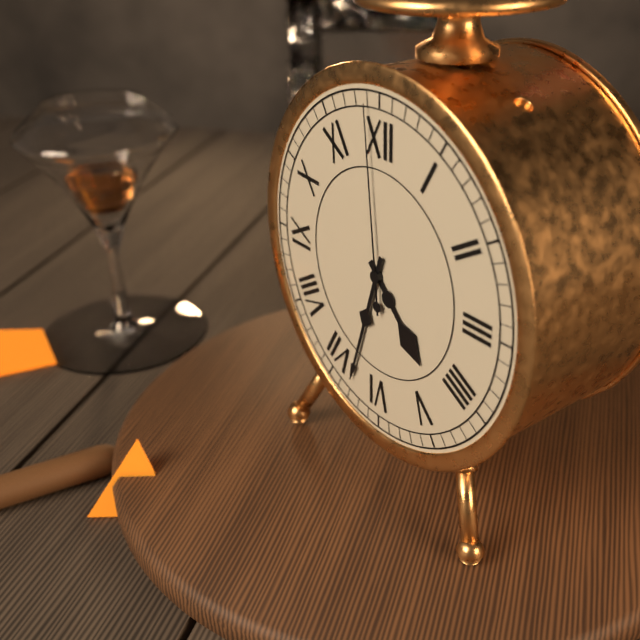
4:33:59
